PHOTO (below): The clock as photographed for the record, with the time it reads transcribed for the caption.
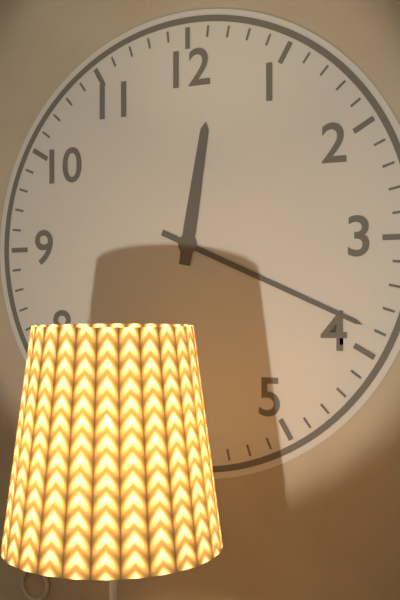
12:19
